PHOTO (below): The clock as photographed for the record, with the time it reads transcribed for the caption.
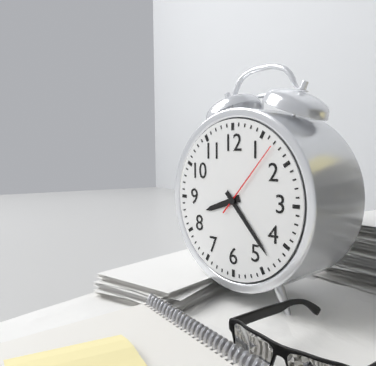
8:23:07
